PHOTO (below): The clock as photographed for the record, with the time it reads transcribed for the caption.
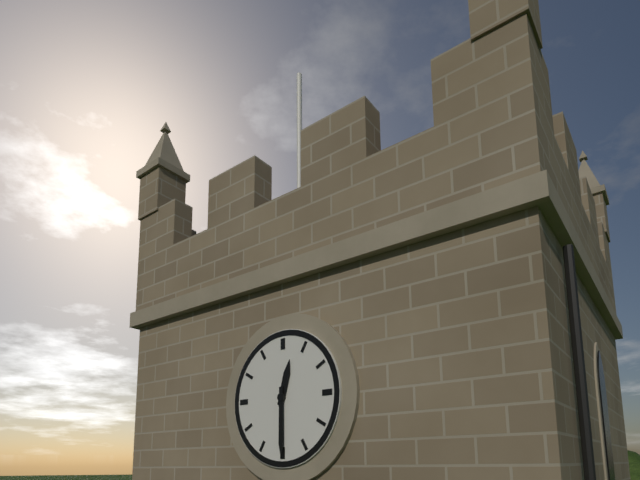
12:30
